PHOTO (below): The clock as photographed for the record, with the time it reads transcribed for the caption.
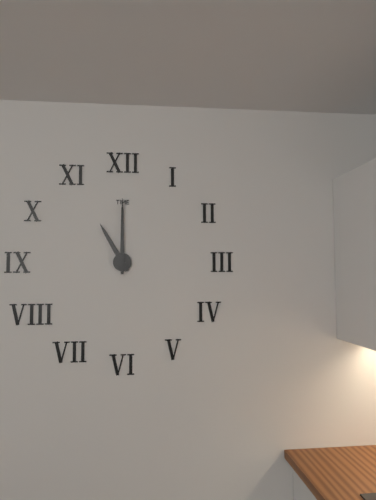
11:00
